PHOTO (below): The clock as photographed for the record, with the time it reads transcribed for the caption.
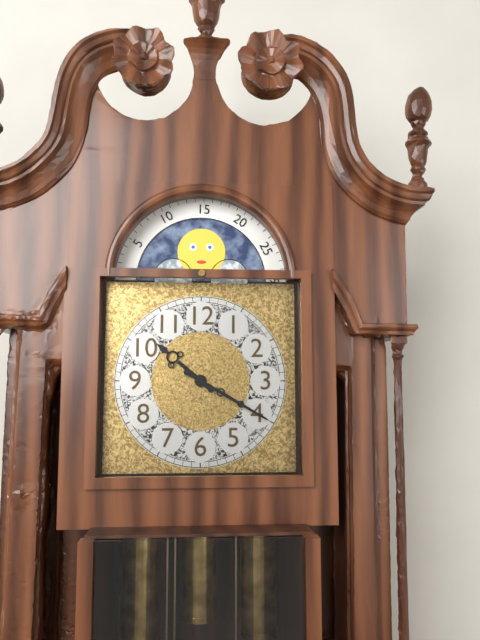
10:20
